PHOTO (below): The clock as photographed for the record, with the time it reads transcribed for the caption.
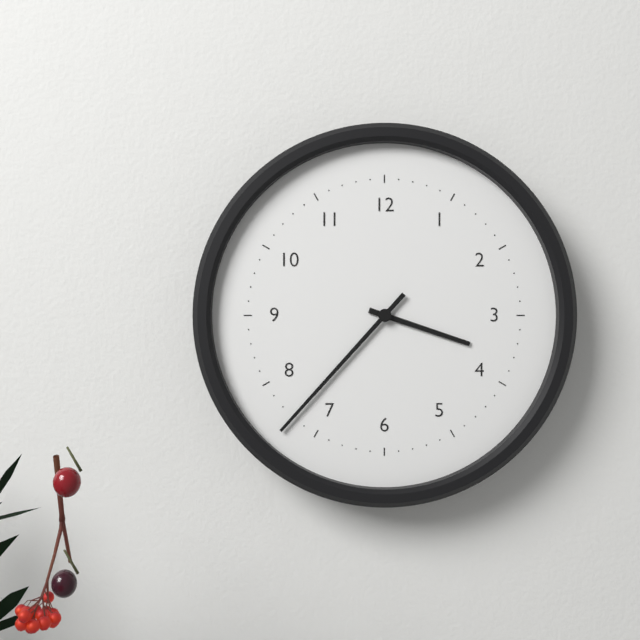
3:37
